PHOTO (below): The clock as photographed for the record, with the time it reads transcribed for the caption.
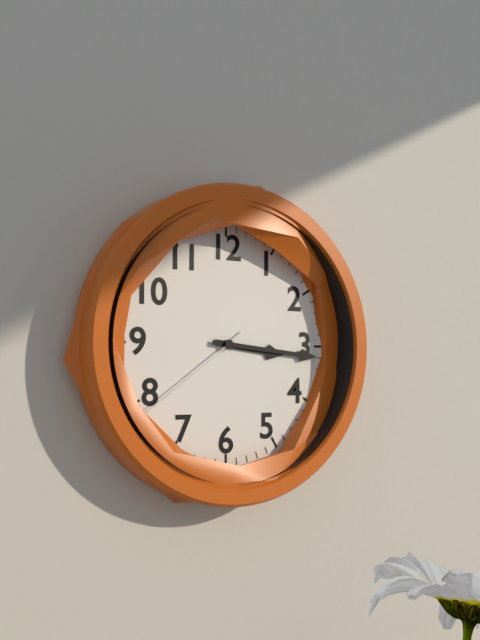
3:16:39
